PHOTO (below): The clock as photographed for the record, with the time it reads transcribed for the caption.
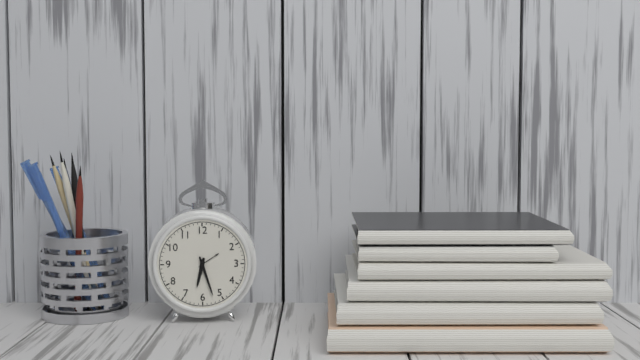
6:27
